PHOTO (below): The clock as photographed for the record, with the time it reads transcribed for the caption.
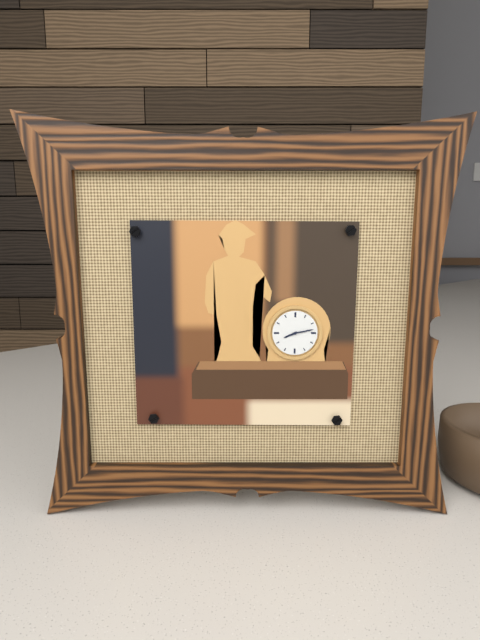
8:13
